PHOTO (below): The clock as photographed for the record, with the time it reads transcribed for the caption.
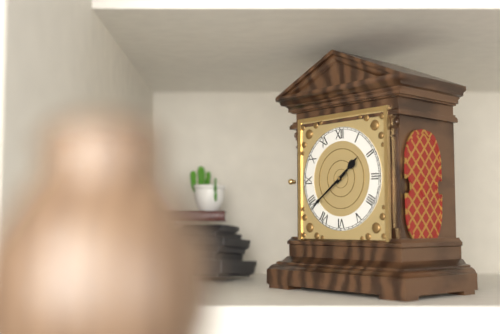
1:39
